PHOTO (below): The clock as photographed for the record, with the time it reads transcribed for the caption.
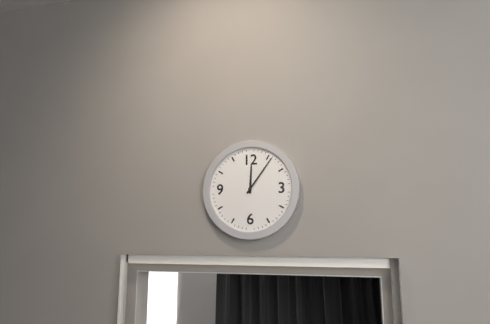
12:06
